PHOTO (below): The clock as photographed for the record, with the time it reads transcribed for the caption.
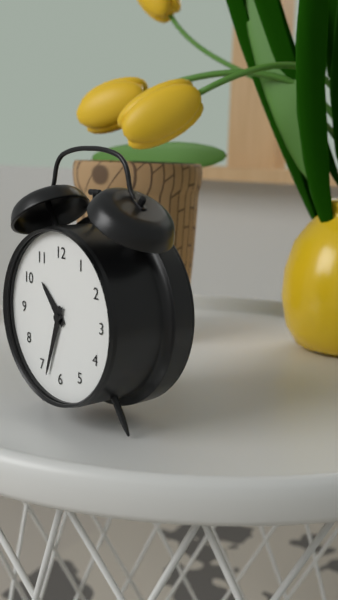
10:33
